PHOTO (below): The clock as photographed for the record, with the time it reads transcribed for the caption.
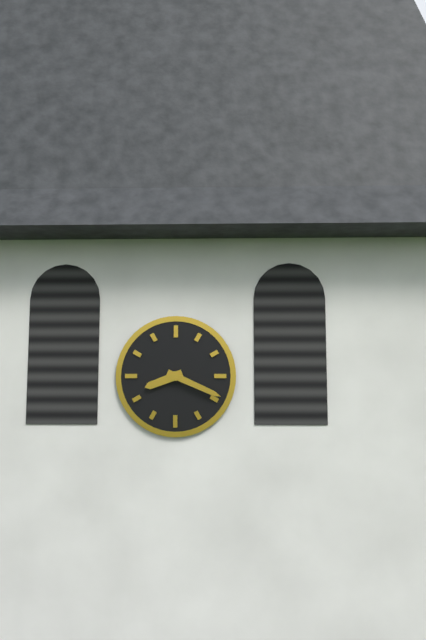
8:19
